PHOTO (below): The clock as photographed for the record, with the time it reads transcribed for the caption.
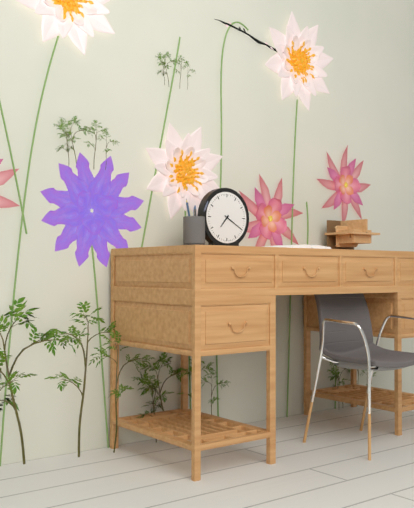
7:20
